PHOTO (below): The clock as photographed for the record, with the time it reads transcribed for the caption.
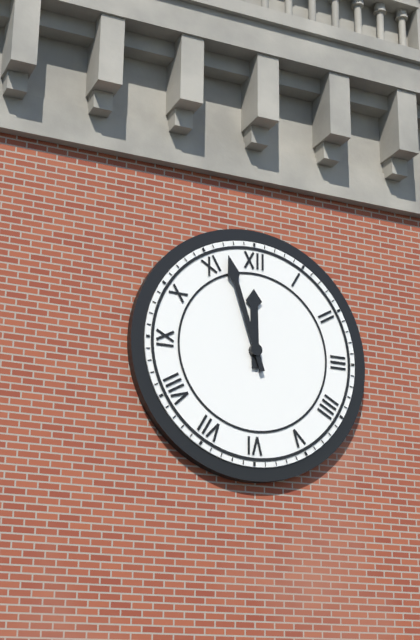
11:57
